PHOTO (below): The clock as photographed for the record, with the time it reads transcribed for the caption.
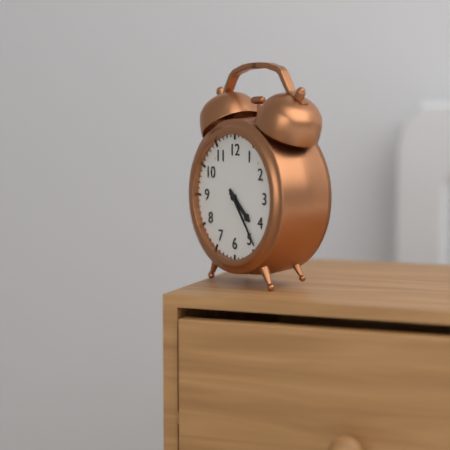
4:24
